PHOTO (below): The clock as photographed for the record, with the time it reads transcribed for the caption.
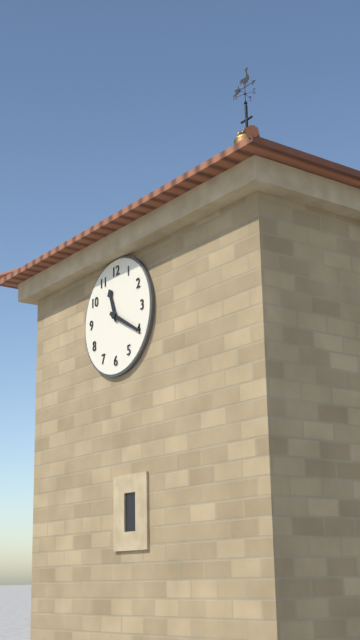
11:20
